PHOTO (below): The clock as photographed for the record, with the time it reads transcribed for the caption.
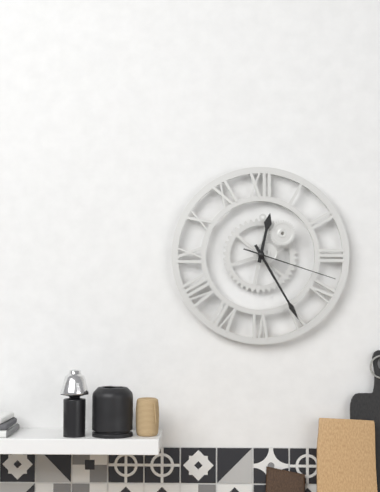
12:25:18
